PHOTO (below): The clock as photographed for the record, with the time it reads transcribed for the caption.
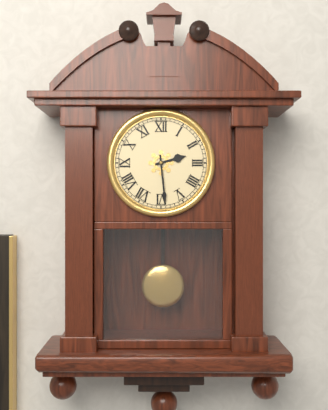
2:29
